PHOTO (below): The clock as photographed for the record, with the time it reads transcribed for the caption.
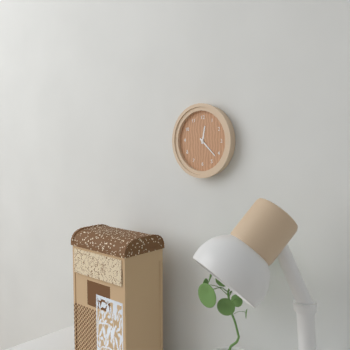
12:22
